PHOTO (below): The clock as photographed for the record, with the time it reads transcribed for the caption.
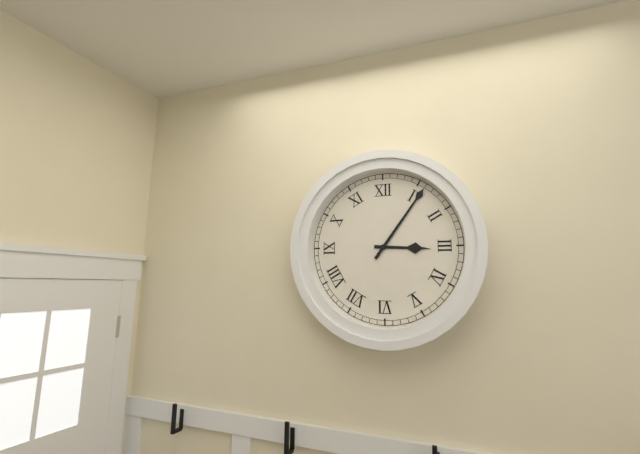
3:06
